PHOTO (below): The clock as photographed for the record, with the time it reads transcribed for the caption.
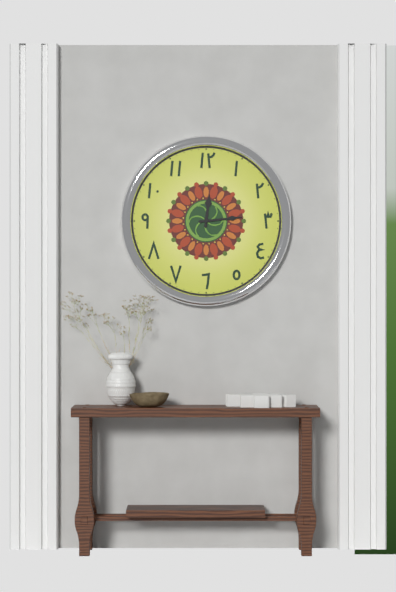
12:14
